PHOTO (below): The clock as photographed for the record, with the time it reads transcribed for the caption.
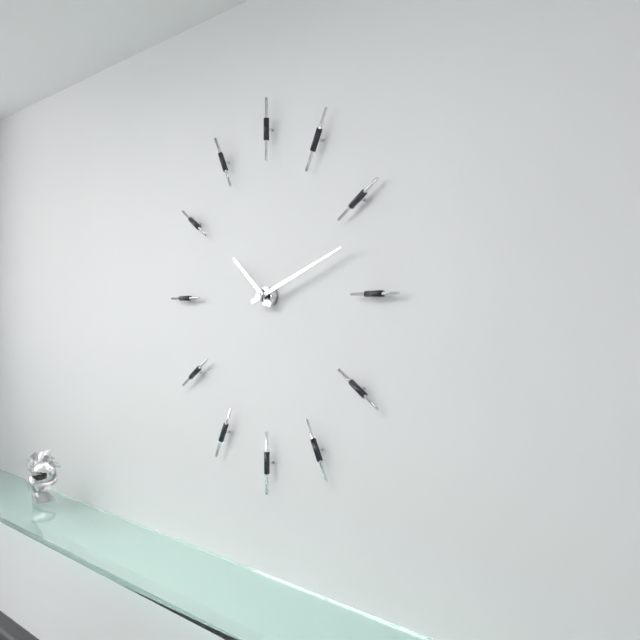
10:12
